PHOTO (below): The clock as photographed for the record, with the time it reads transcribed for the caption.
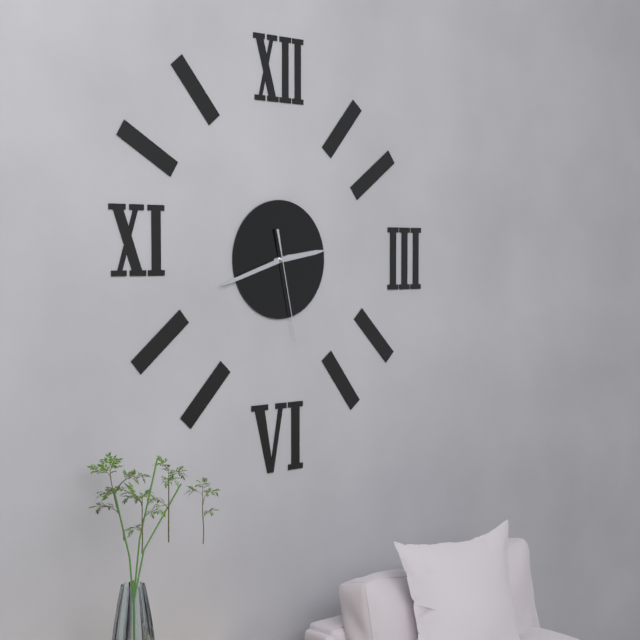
2:42:28
